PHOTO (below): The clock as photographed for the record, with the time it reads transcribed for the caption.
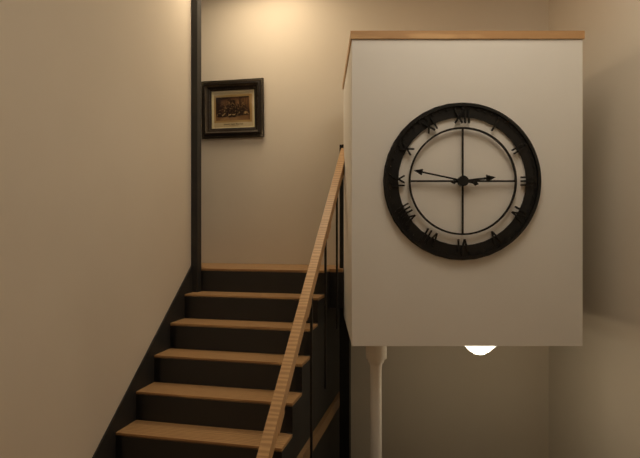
2:47
